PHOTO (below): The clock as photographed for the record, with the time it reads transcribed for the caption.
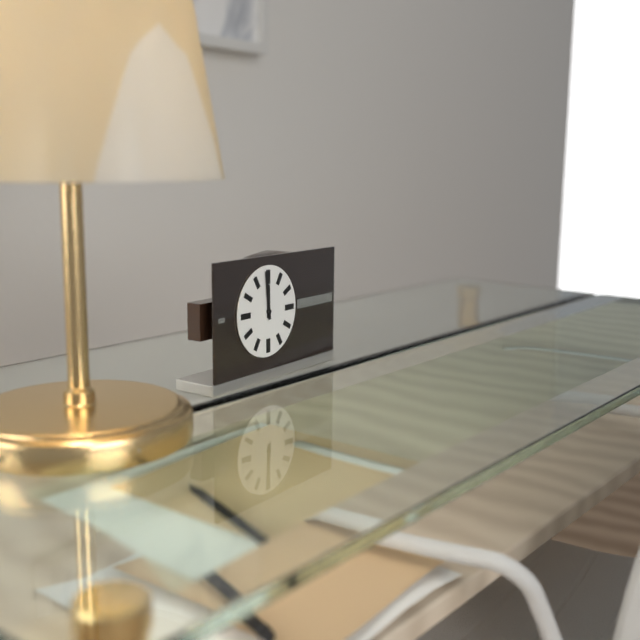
11:59
